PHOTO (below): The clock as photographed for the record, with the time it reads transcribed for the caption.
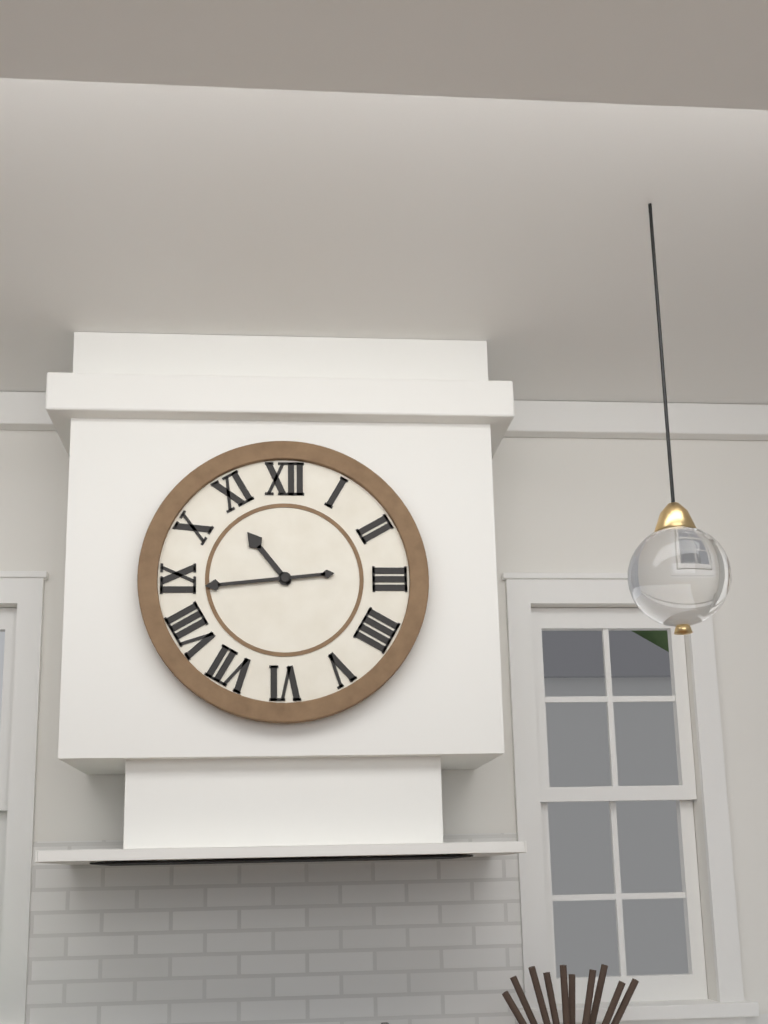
10:44
